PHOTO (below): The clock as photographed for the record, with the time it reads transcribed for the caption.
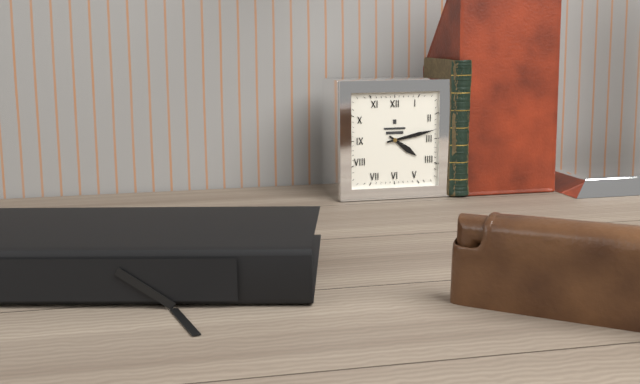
4:13
